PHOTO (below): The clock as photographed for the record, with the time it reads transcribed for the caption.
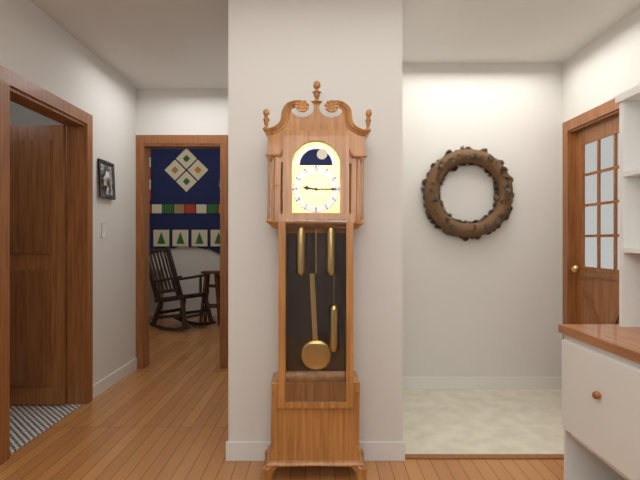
9:15
